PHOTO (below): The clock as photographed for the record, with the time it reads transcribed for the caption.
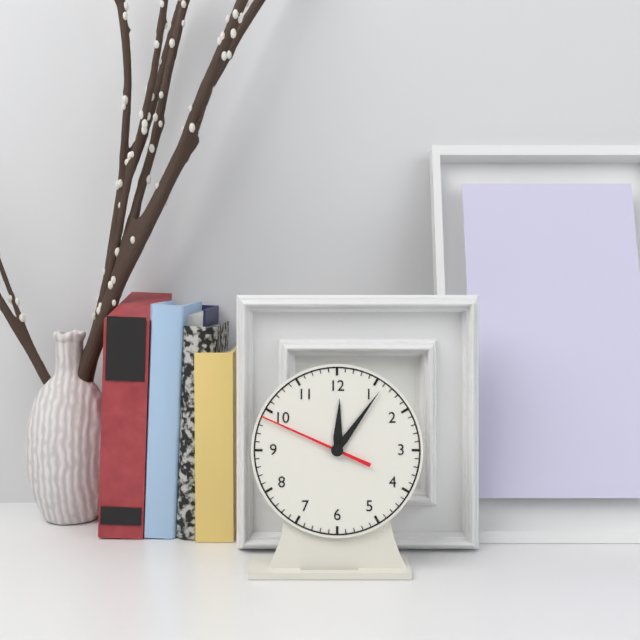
12:06:49
